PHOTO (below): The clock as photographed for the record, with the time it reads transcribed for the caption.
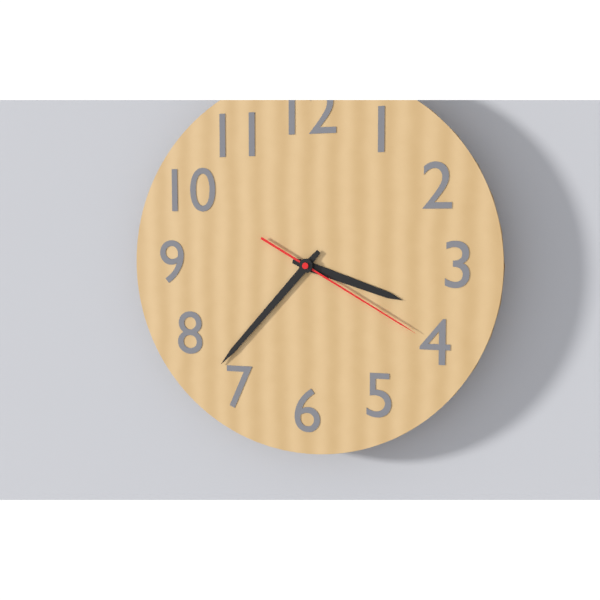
3:37:20
